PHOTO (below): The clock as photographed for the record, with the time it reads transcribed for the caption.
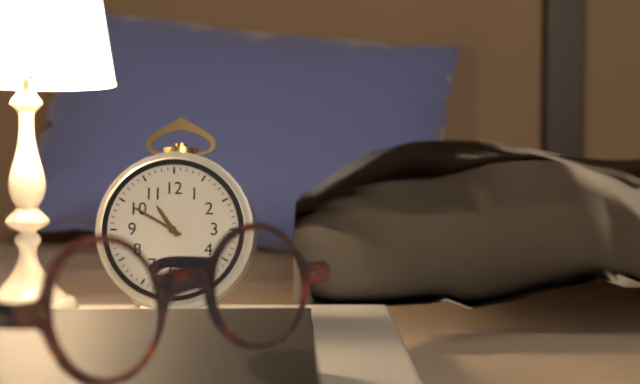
10:50
